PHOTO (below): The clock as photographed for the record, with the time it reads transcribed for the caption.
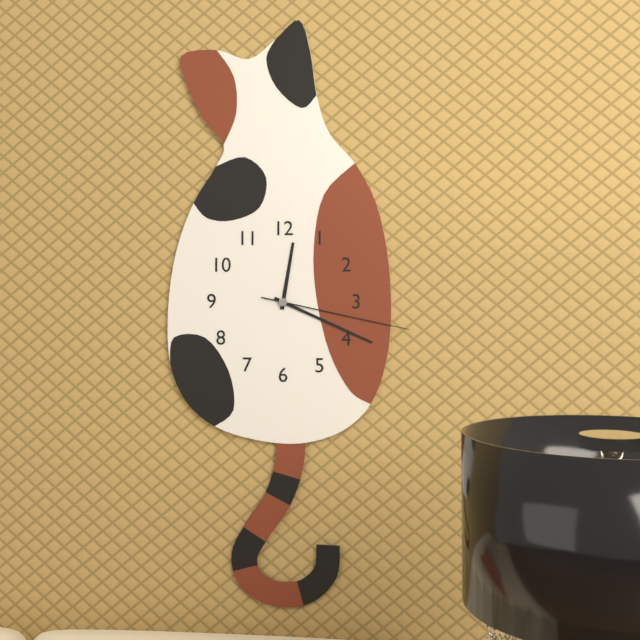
12:19:17
